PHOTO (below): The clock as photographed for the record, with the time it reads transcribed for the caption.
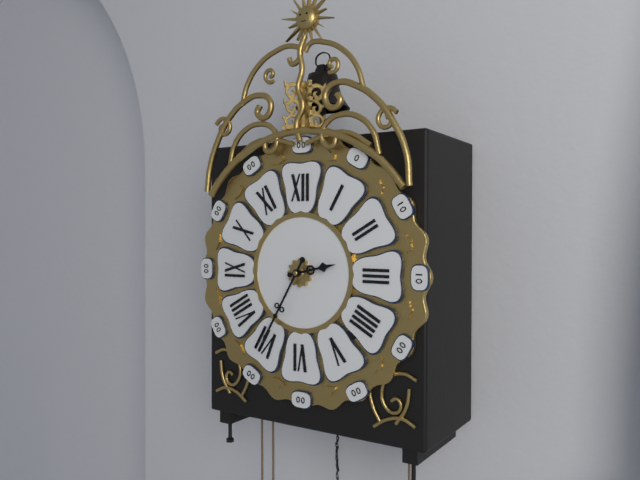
2:35
